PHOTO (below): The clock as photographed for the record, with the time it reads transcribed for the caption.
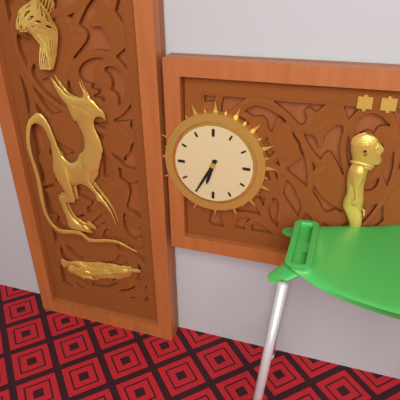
6:35
